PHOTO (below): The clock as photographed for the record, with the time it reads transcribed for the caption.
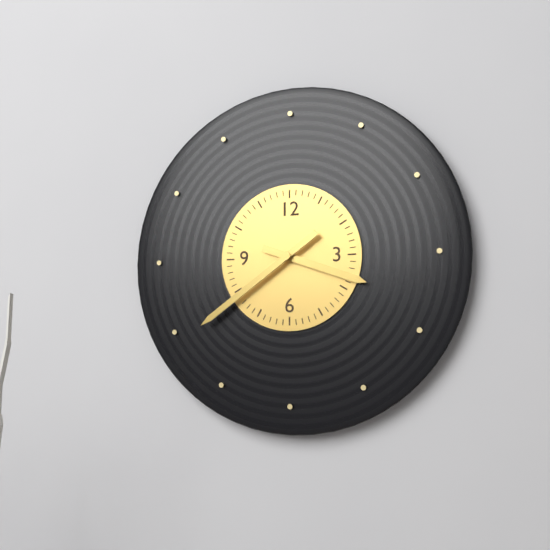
3:39
